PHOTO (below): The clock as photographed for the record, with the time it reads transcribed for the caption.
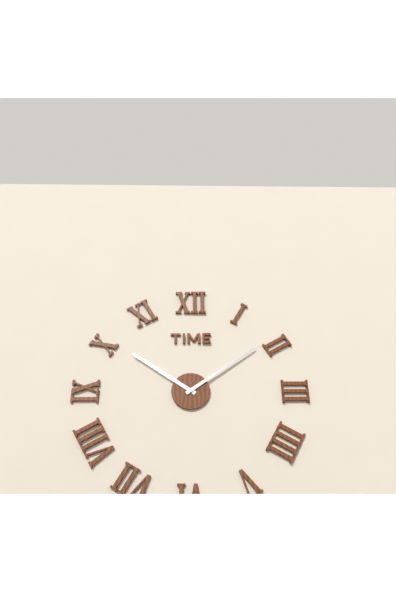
10:09
